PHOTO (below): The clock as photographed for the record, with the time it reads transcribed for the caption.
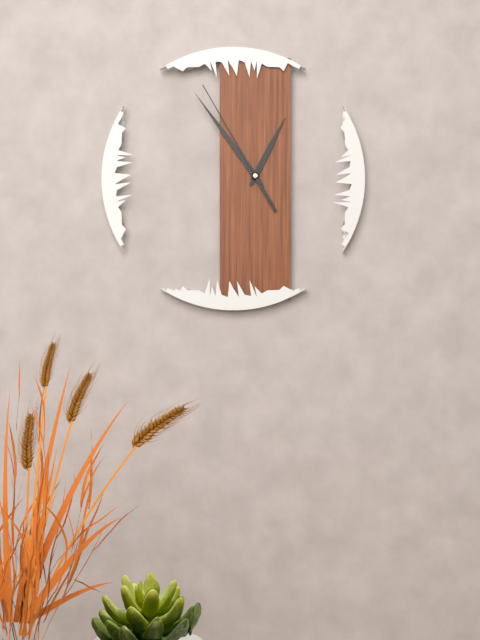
12:54:55
